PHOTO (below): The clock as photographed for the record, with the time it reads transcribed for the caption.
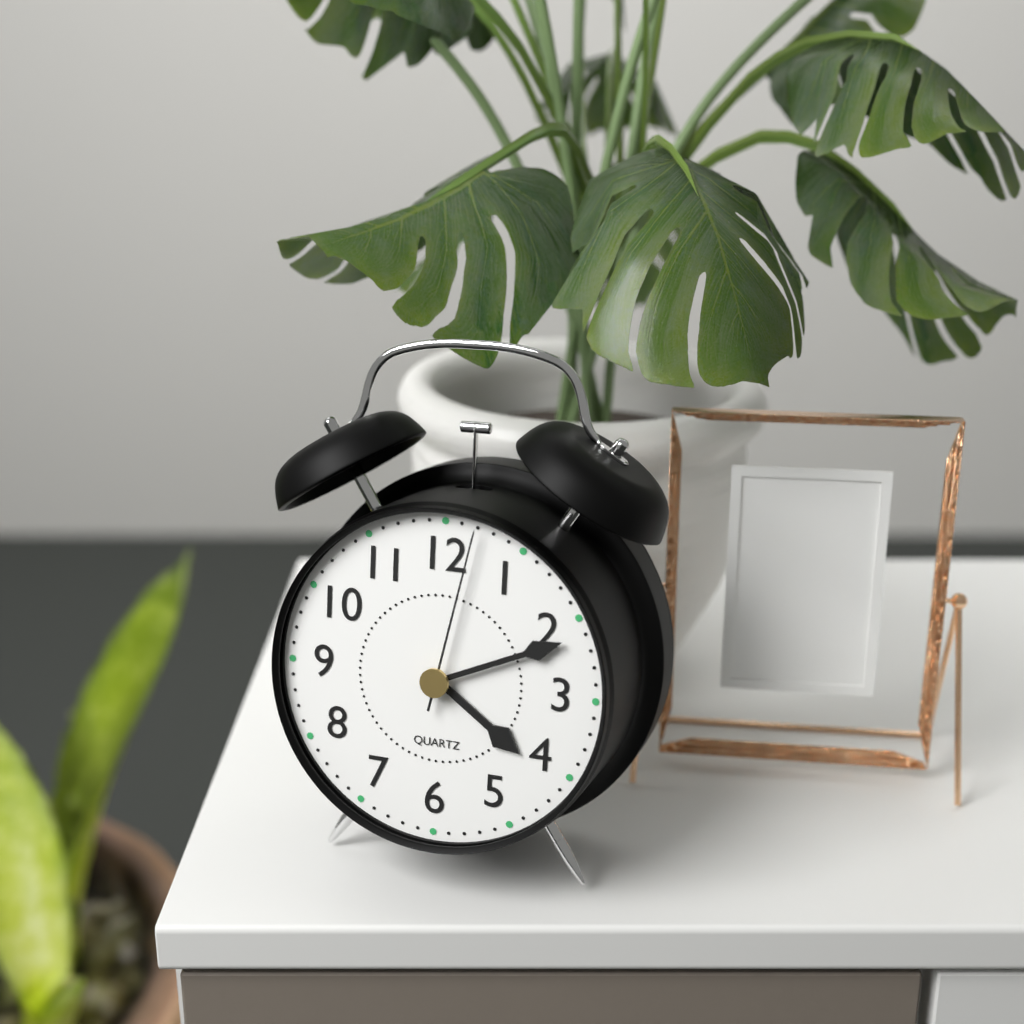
4:11:02
